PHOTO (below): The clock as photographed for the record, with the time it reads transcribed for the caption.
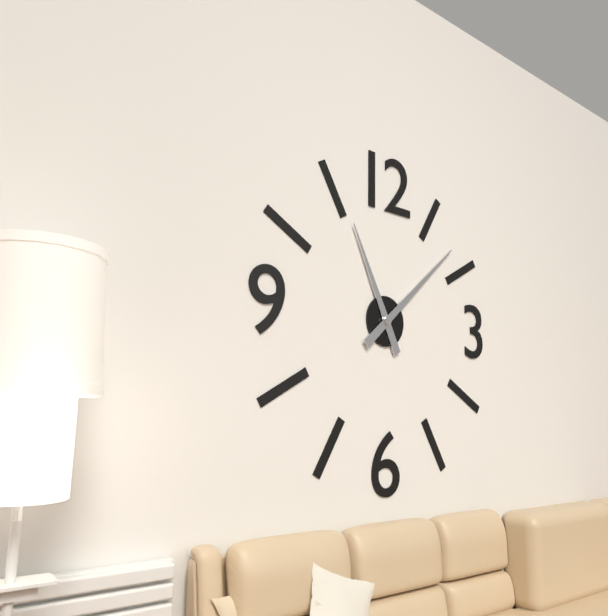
11:08
